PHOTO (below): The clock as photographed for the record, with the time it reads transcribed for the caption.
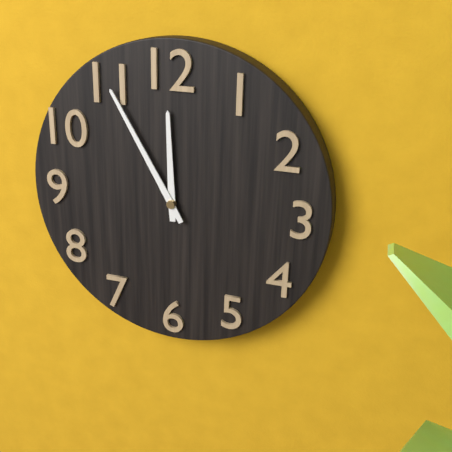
11:55
